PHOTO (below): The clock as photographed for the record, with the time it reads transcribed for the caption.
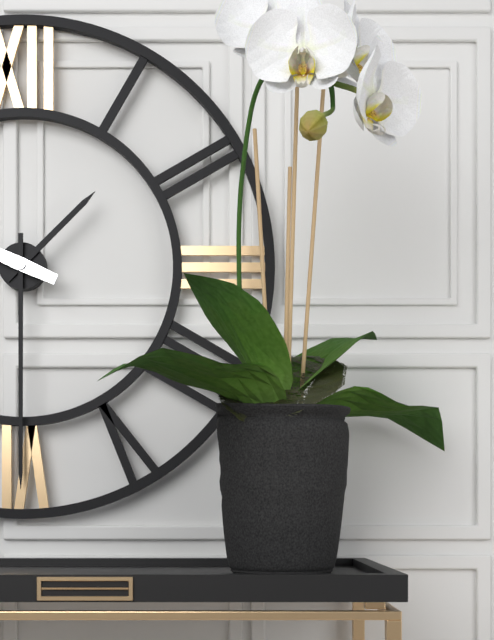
1:30
